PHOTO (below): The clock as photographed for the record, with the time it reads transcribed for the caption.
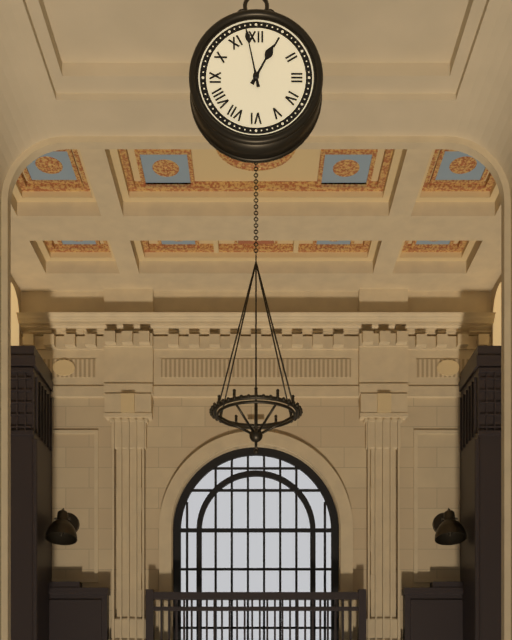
12:58
